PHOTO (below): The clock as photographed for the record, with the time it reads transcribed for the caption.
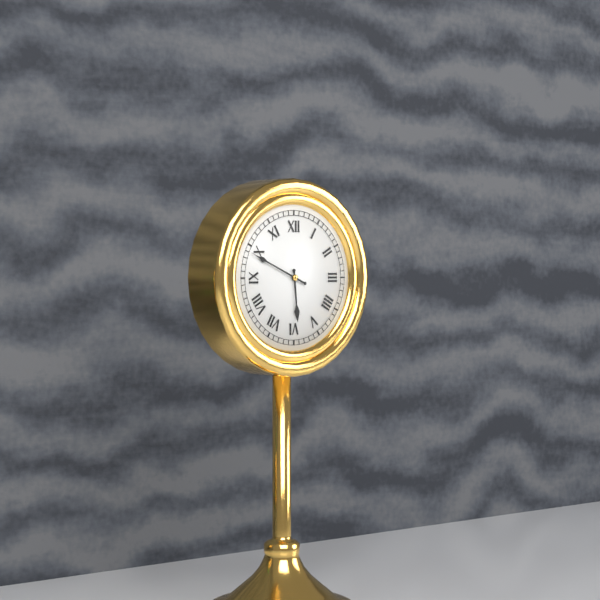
5:49
